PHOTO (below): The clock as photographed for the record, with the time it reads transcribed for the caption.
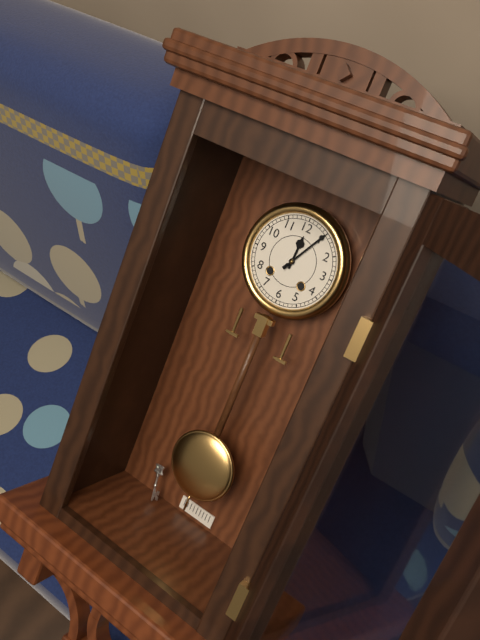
12:05
